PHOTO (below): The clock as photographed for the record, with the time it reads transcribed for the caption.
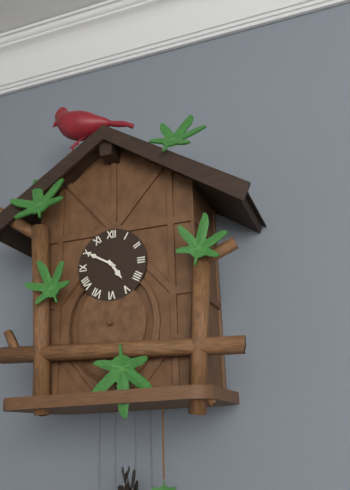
4:50
